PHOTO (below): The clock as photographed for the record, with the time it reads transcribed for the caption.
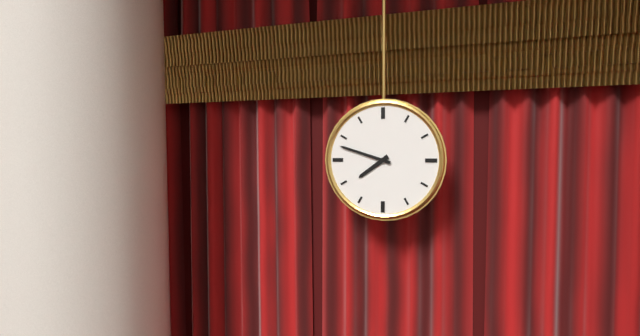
7:48
